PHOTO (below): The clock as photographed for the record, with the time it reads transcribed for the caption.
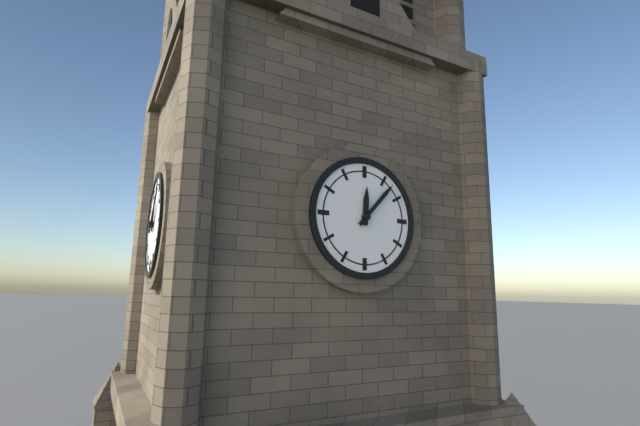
12:07
